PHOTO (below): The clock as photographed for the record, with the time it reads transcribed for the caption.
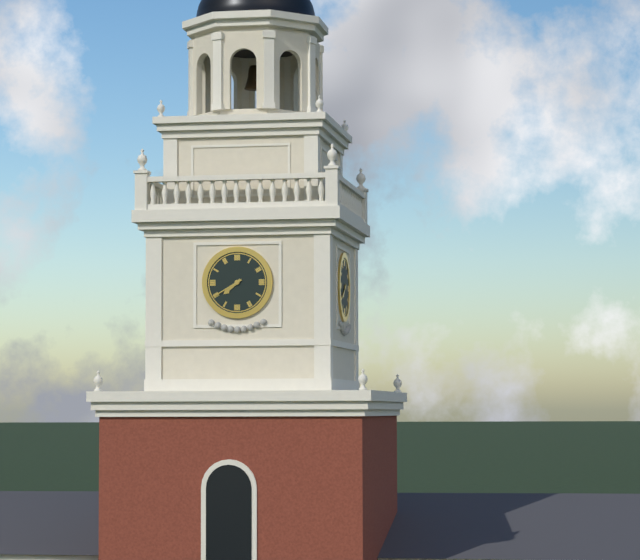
7:40
